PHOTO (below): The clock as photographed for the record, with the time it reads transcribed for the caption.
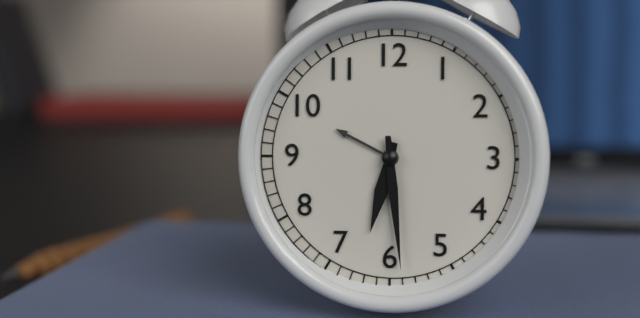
6:29
